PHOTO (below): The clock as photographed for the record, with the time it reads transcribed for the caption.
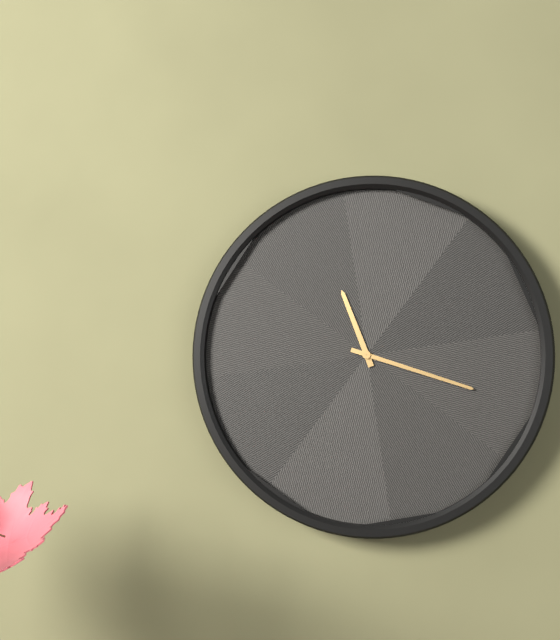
11:18
